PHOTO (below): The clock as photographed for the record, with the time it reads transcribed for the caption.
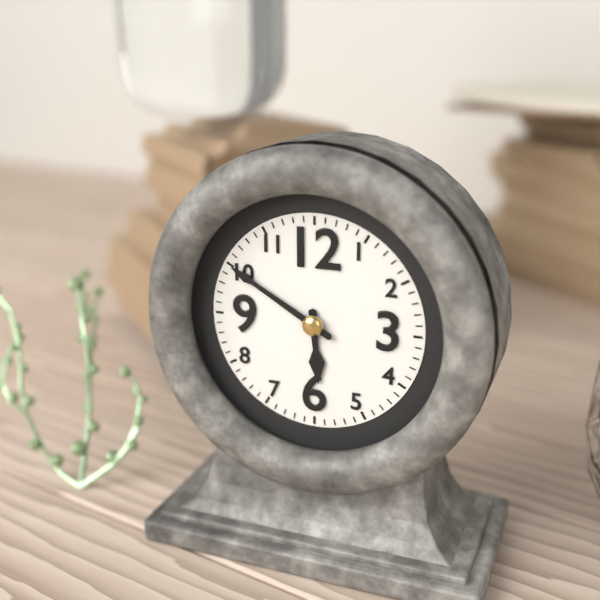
5:50
